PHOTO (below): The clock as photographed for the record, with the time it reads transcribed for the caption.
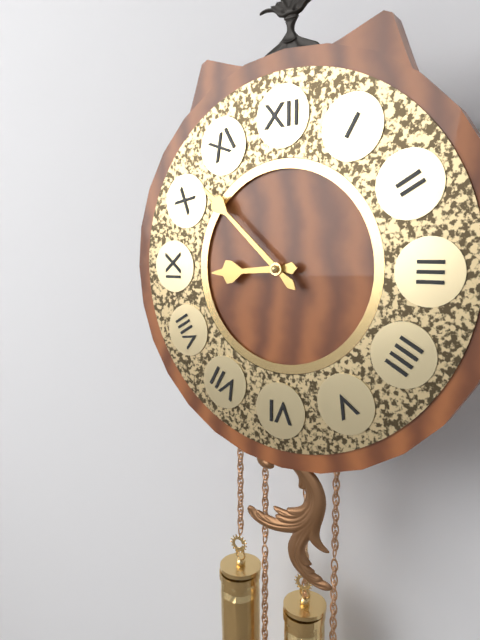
8:52
